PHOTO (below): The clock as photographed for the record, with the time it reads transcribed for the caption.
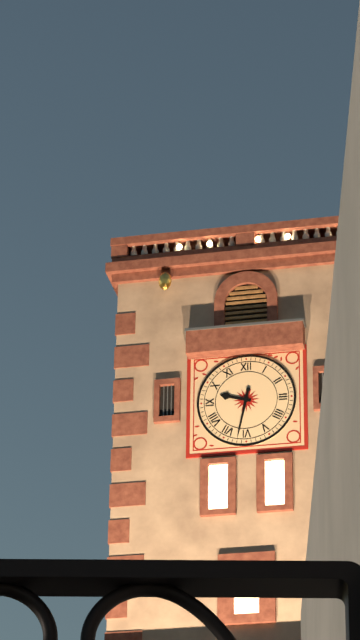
9:32
